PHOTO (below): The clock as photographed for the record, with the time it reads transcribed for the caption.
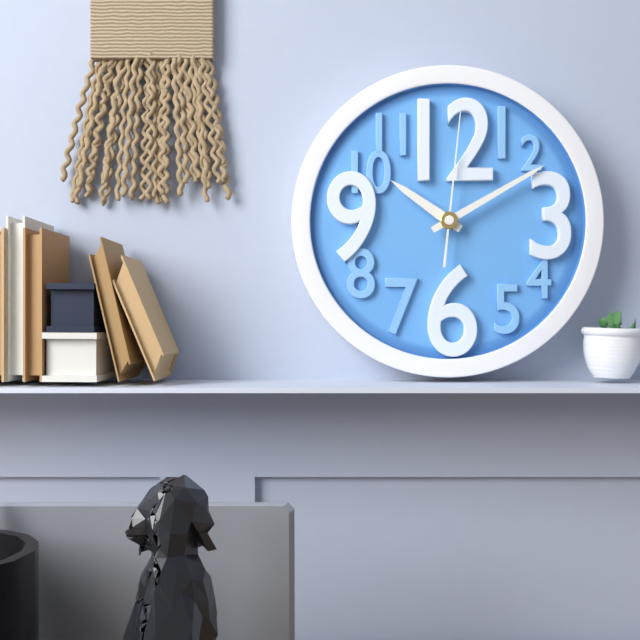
10:10:01
